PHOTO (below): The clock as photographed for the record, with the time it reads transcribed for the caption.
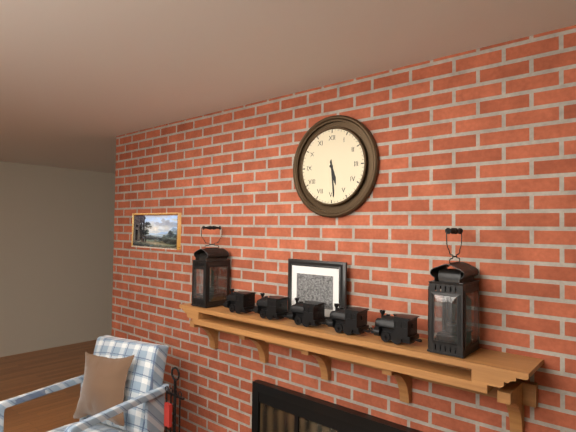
5:29
